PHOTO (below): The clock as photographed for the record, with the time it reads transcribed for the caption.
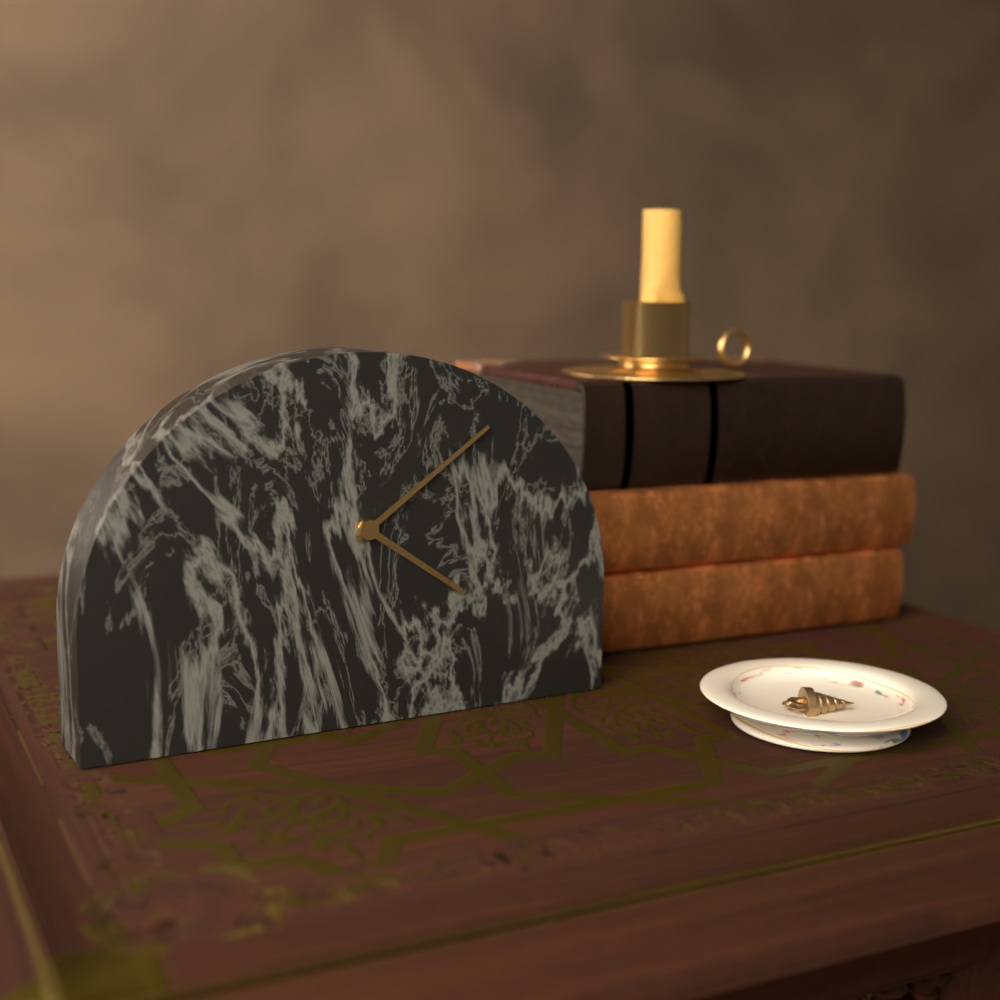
4:09
